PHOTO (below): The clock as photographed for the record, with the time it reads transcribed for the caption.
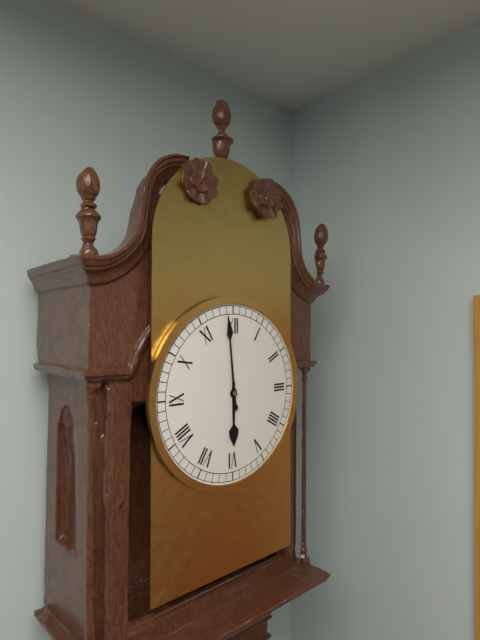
5:59
